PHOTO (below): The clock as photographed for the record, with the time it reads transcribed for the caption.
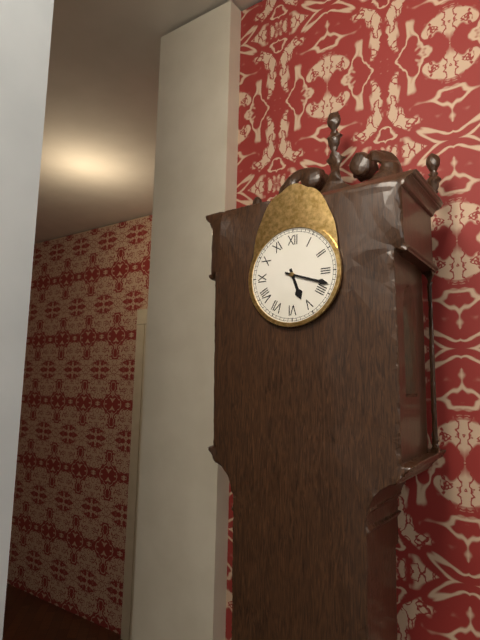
5:18
